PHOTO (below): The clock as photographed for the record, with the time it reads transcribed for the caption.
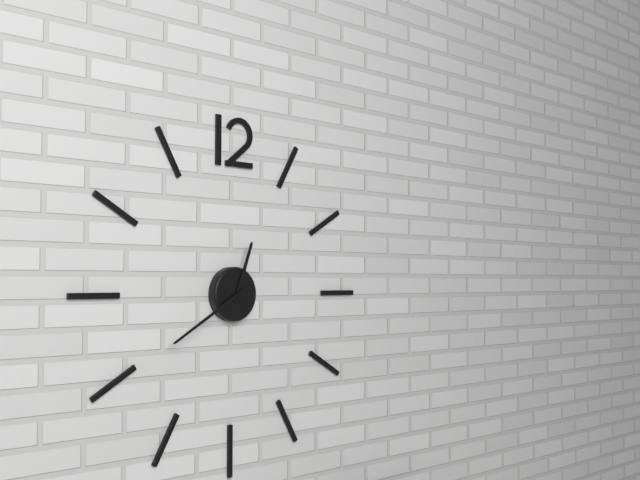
12:40
